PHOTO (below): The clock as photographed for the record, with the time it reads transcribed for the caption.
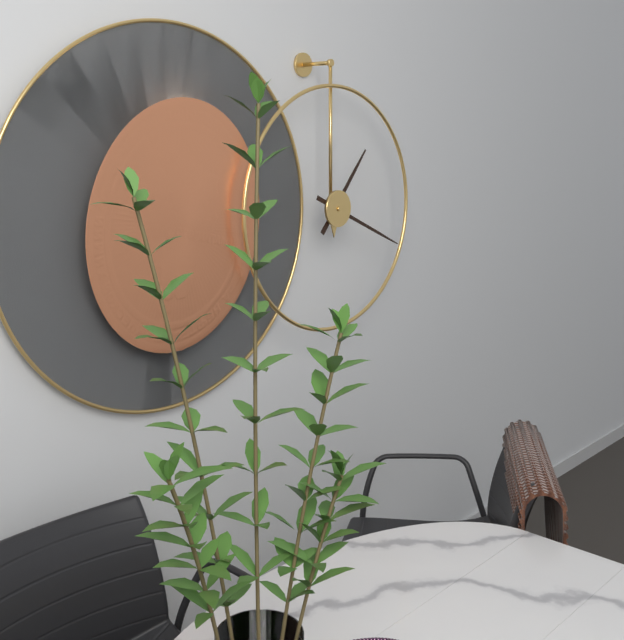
1:19
